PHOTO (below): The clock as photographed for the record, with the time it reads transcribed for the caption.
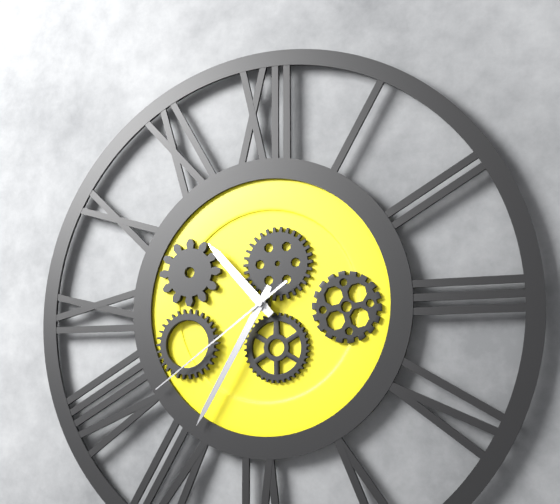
10:35:39
